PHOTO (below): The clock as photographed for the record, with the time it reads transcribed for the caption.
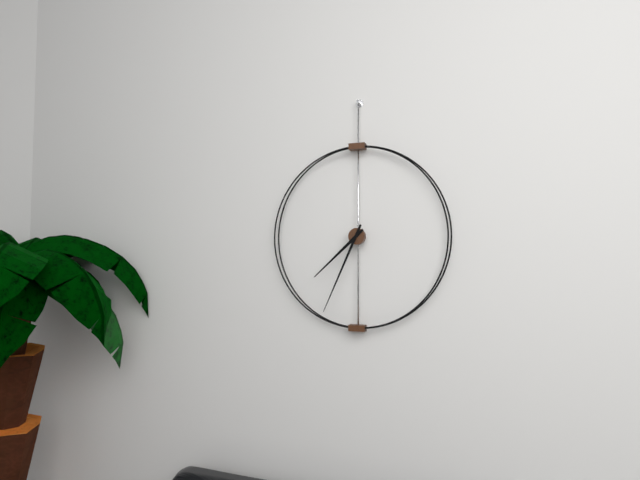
7:34
